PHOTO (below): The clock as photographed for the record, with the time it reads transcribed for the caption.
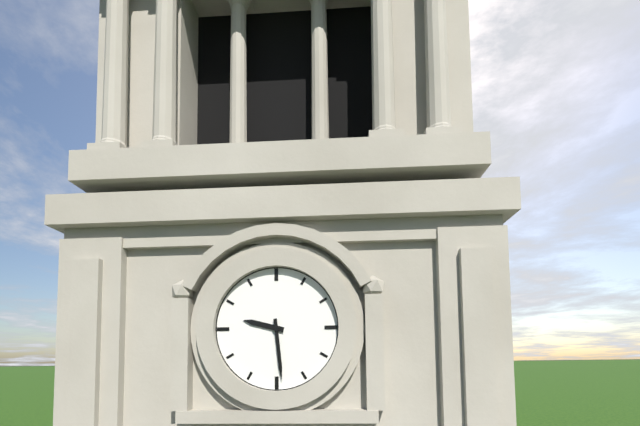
9:29
